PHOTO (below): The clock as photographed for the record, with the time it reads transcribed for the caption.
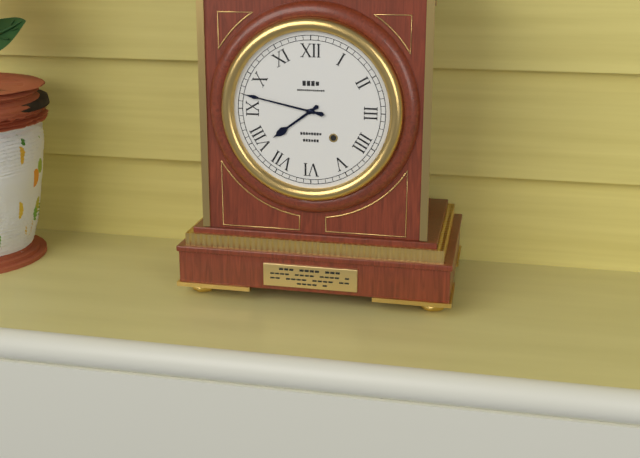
7:47
